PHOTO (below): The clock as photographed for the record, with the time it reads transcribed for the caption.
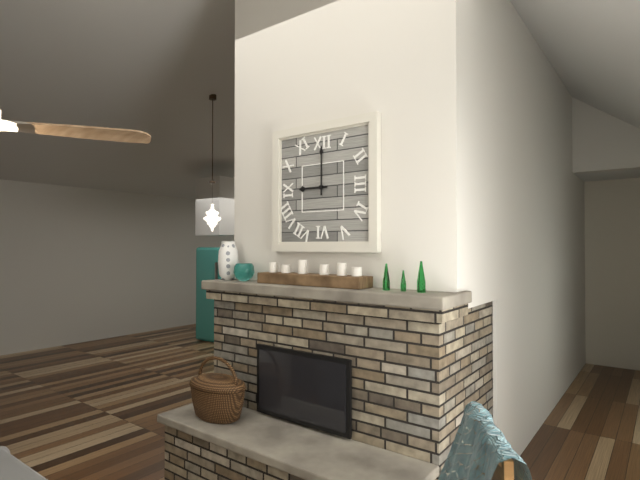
9:00
